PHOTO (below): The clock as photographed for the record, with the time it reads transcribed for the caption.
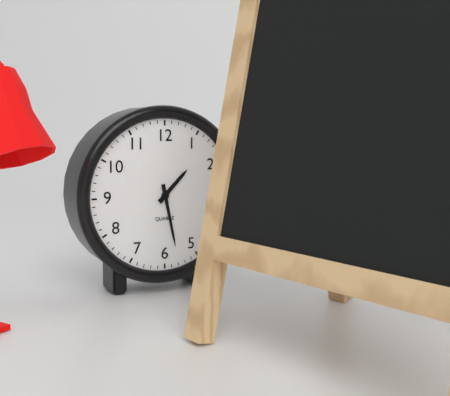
1:28
